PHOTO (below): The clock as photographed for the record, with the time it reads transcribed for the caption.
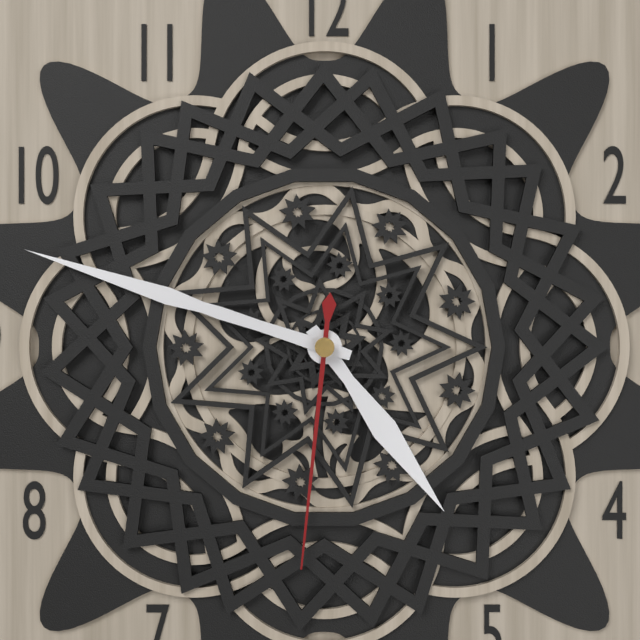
4:48:31
